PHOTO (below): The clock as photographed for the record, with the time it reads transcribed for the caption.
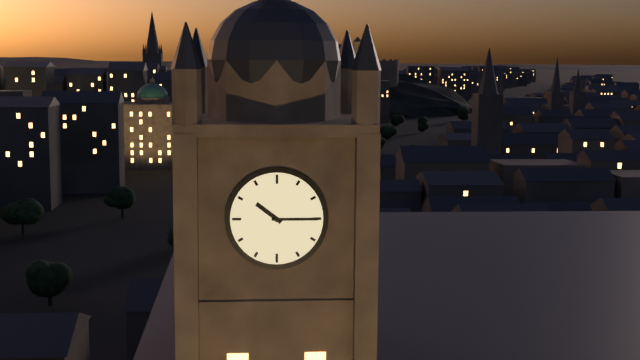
10:15
